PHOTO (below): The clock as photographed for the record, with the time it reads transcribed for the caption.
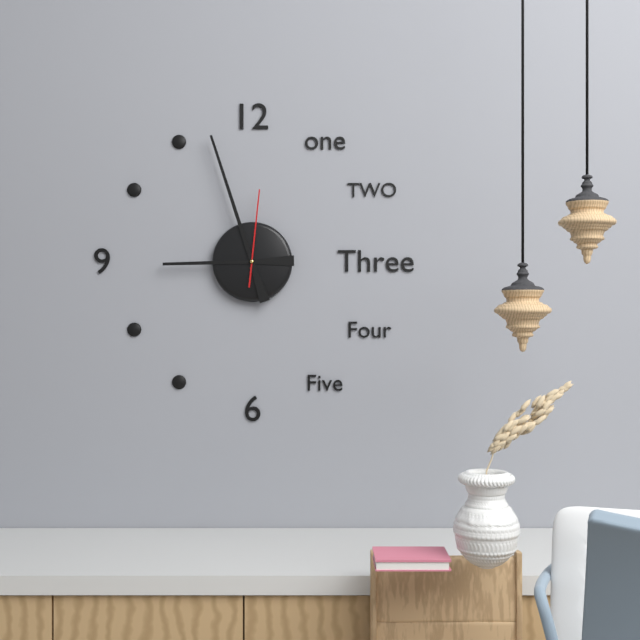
8:57:01
